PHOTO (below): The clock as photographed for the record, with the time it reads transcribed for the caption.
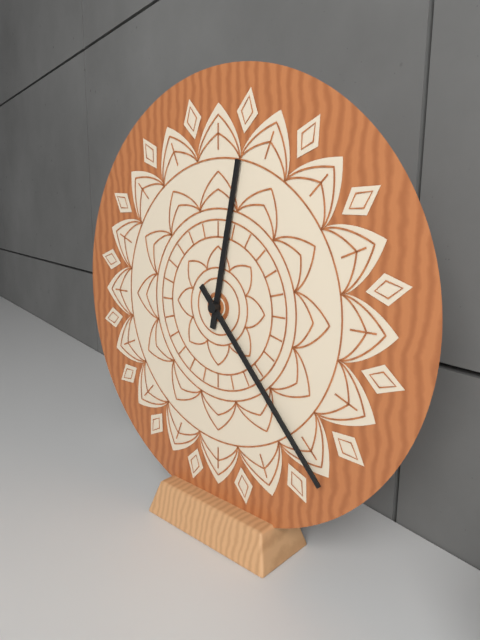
12:23
